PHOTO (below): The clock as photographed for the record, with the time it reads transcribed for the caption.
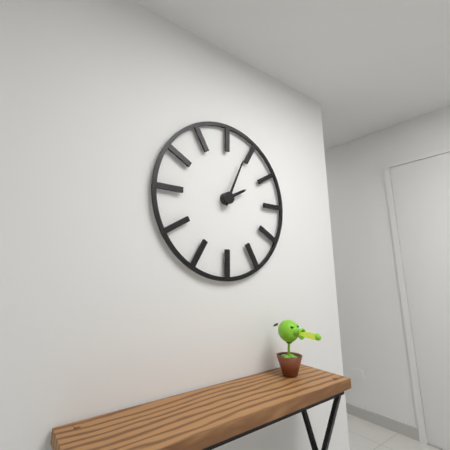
2:04
